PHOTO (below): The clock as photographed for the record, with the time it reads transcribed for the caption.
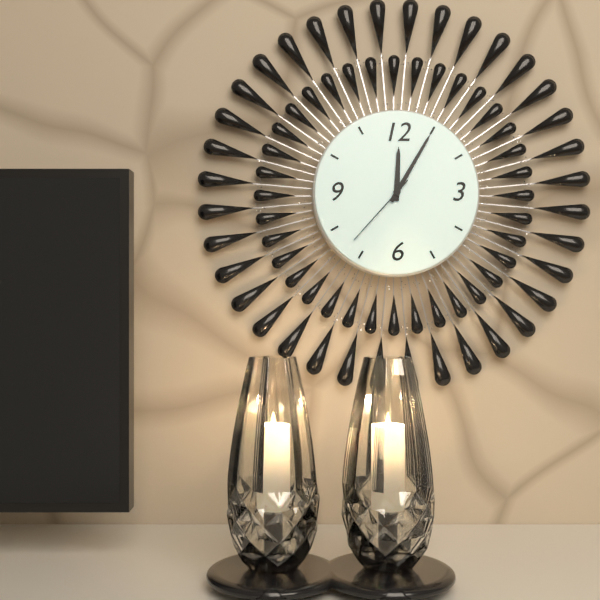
12:05:37
